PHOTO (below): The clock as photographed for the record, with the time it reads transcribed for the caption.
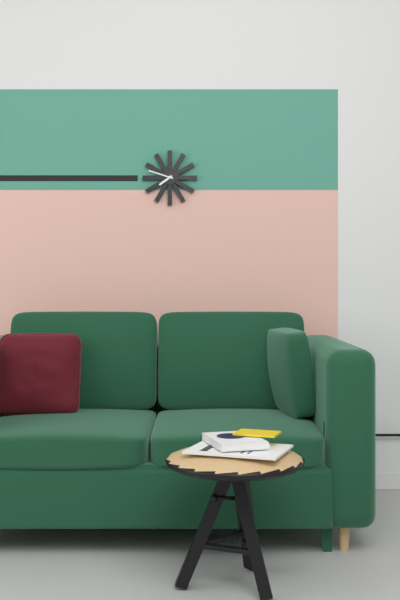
7:48
